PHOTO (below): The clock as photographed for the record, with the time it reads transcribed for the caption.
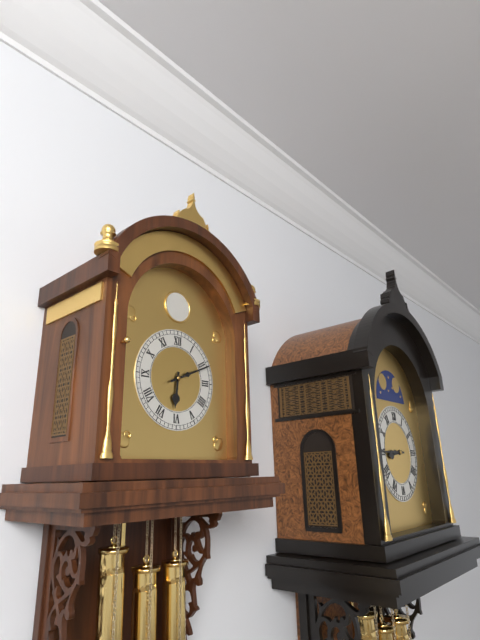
6:11
